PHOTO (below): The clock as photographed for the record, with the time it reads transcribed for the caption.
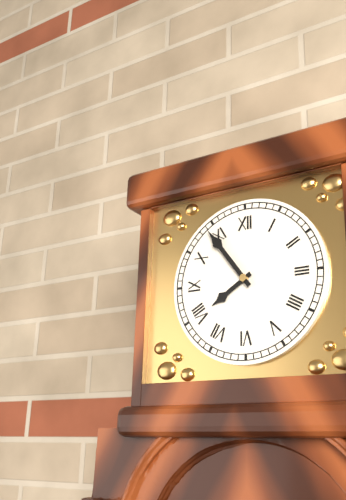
7:54
